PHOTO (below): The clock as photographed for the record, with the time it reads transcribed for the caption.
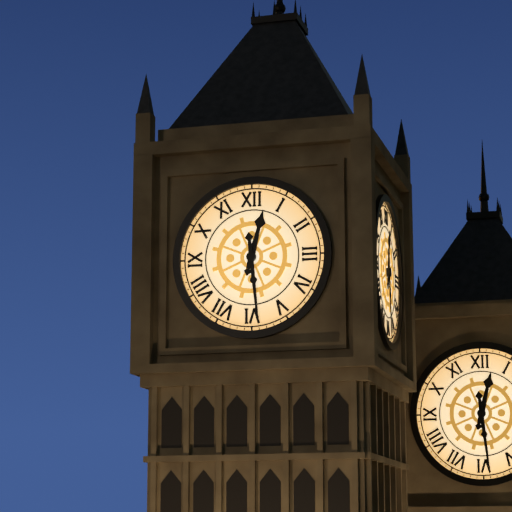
12:29
